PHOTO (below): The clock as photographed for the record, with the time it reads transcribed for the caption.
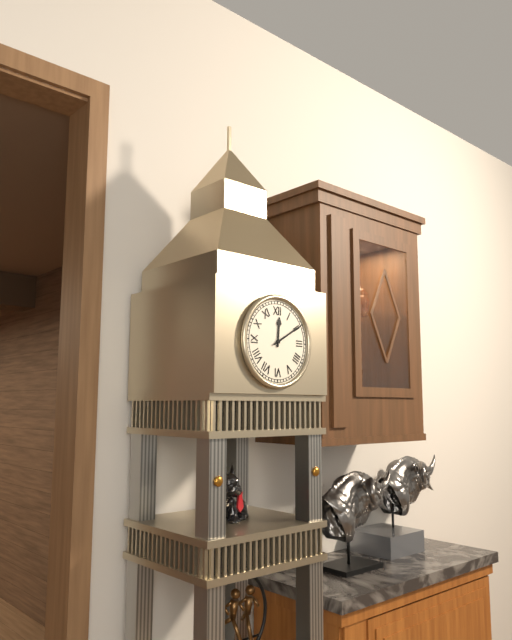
12:10
